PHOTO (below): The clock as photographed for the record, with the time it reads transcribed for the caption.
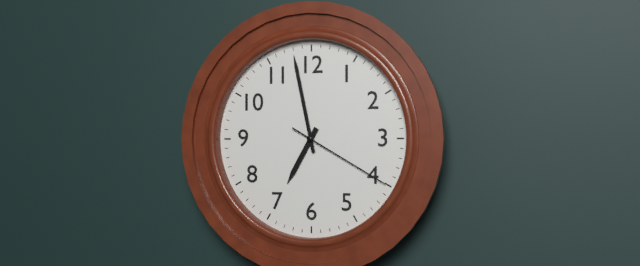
6:58:20
